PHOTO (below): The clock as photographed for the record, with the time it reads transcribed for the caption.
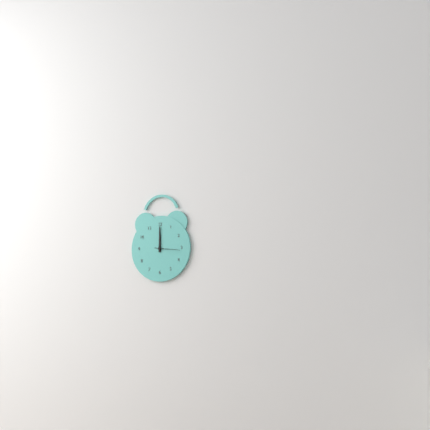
12:00
